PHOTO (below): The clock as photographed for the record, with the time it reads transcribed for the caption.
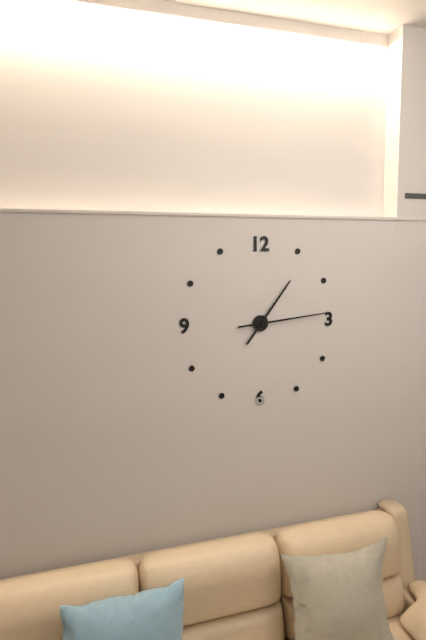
1:14
